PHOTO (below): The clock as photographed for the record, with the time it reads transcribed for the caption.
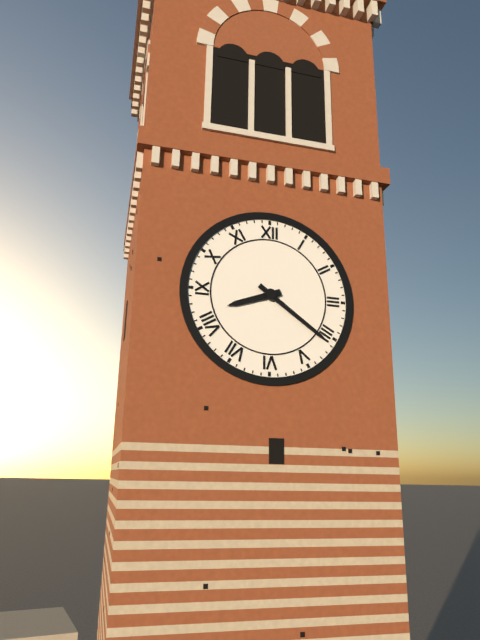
8:21
